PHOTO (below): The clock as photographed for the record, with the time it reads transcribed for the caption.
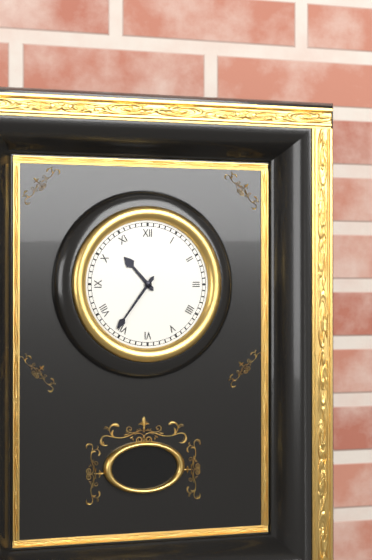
10:36
